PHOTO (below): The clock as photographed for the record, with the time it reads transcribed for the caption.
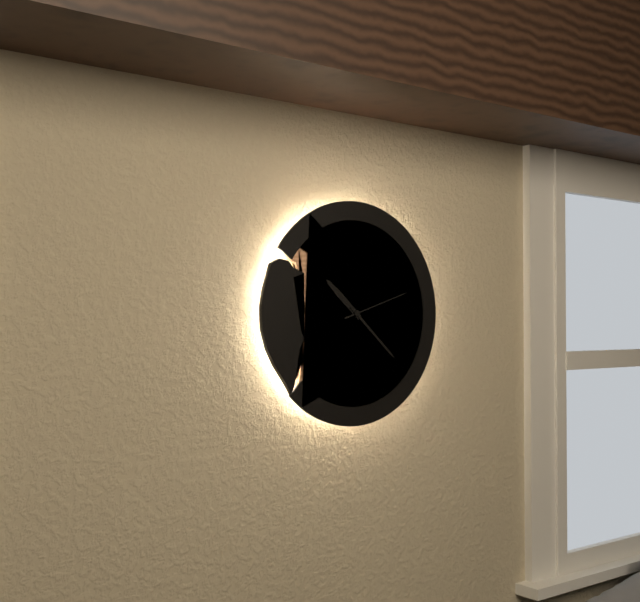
10:22:12
